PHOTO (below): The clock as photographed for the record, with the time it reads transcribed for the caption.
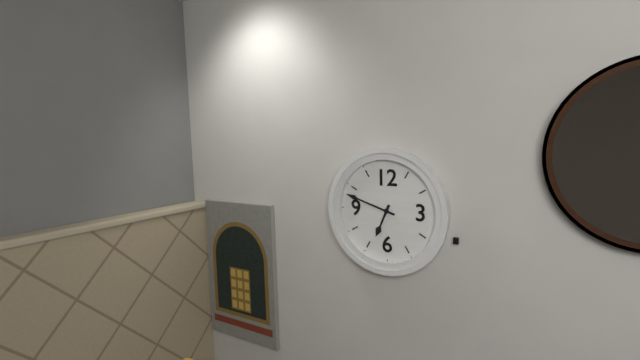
6:48
